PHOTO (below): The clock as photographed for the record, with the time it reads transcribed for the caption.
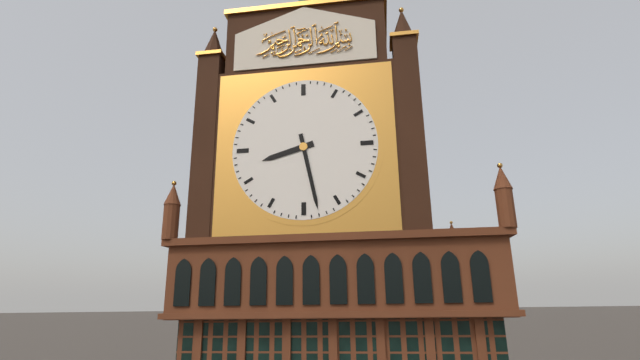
8:28
